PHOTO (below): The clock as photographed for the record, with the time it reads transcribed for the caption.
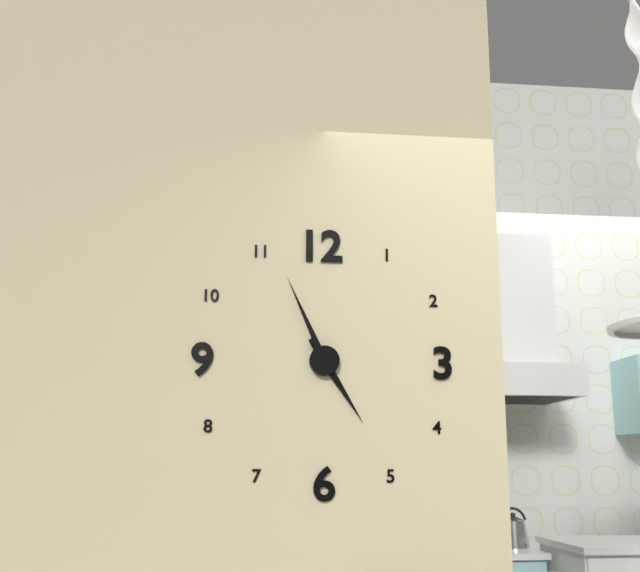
4:56
